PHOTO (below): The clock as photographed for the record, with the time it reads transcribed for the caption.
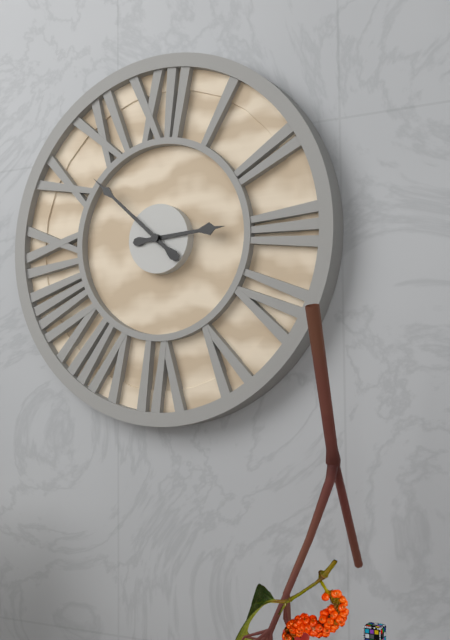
2:52
